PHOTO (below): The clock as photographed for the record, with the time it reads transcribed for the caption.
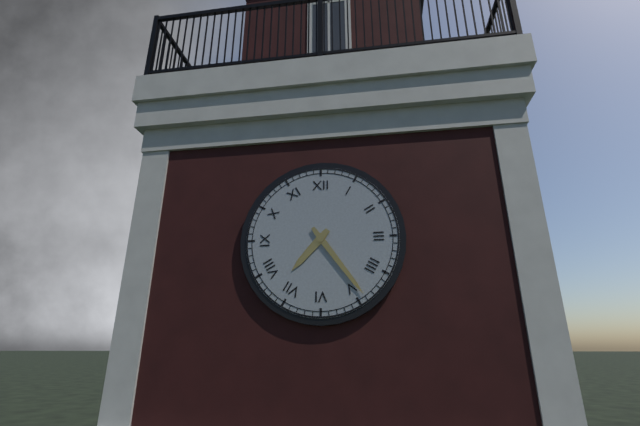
7:24
